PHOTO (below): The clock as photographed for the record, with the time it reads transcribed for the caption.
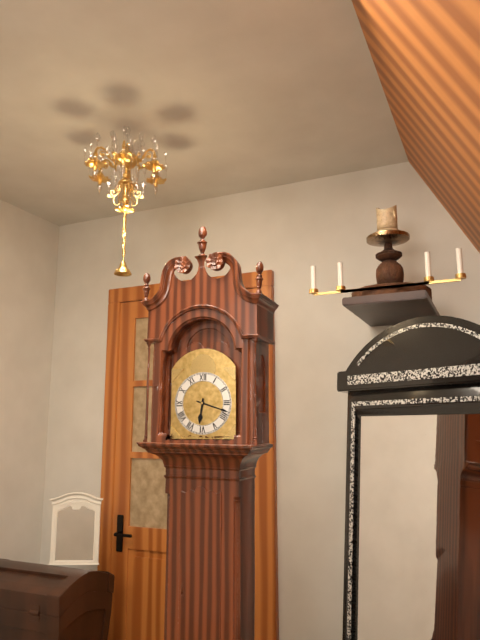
6:18
